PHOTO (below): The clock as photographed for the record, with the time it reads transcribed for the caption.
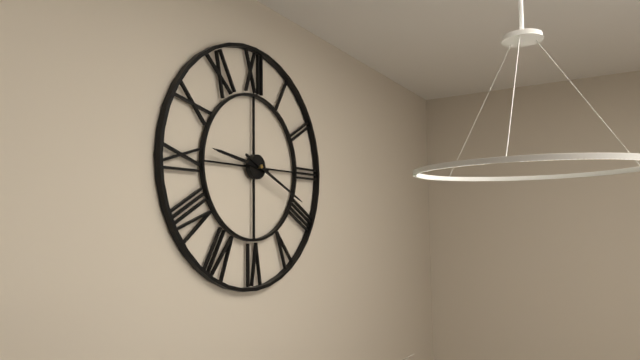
9:19
